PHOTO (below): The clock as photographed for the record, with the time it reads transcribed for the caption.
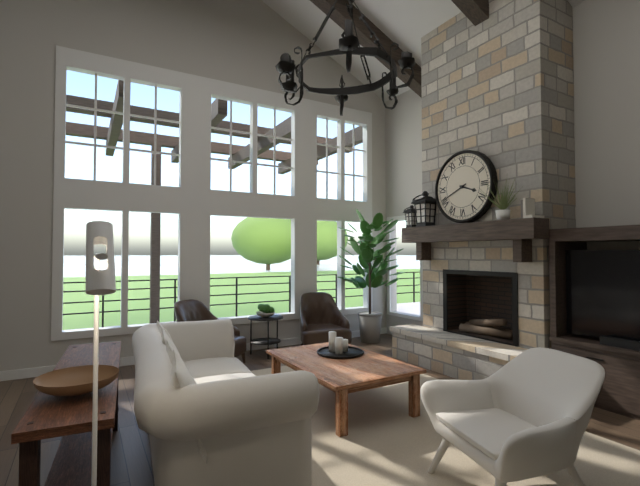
3:41
